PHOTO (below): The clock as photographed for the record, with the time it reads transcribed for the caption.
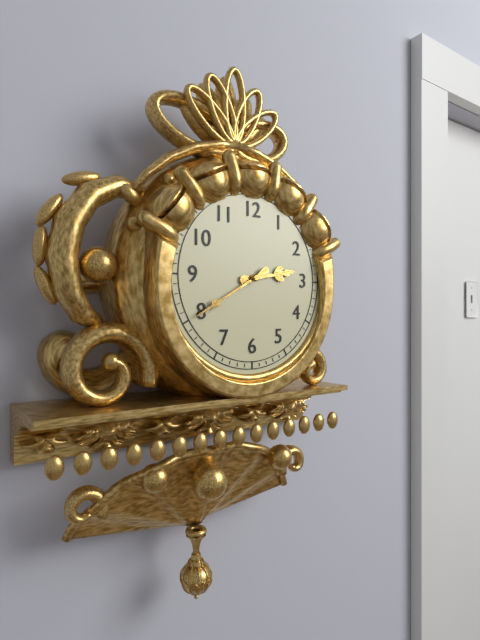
2:40
